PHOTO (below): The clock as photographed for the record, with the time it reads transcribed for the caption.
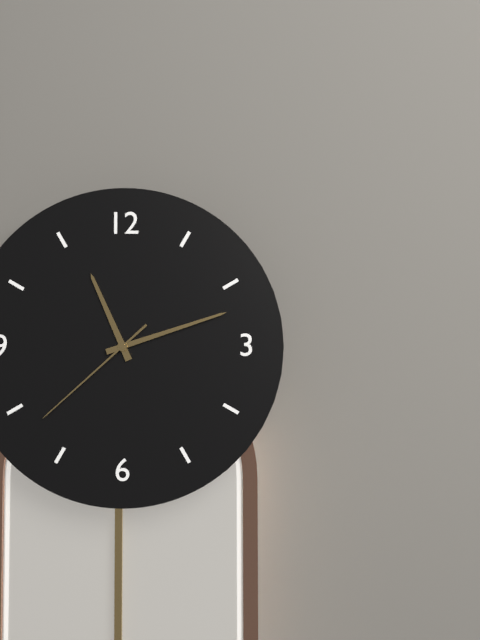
11:12:38
